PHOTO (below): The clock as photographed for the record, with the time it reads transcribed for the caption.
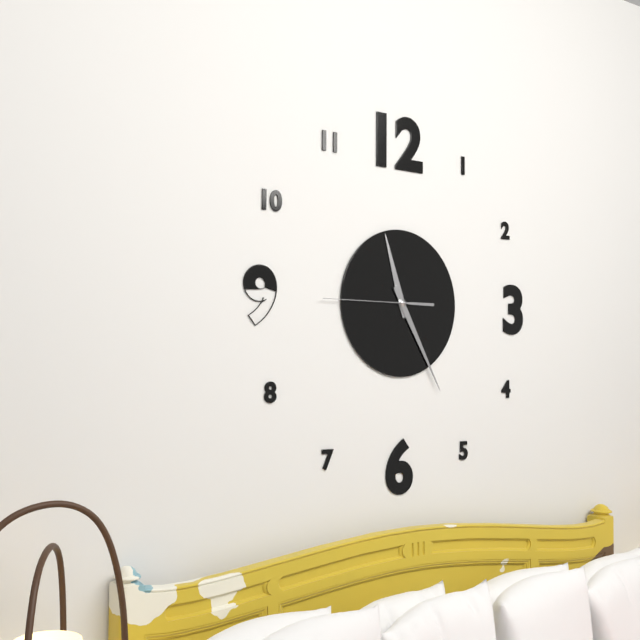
11:25:45
